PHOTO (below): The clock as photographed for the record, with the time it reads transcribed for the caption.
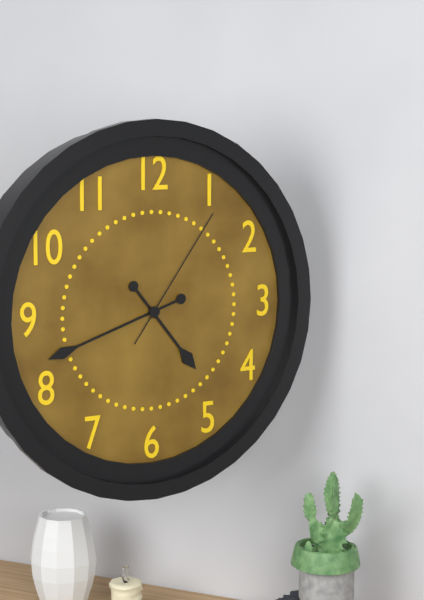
4:42:06
